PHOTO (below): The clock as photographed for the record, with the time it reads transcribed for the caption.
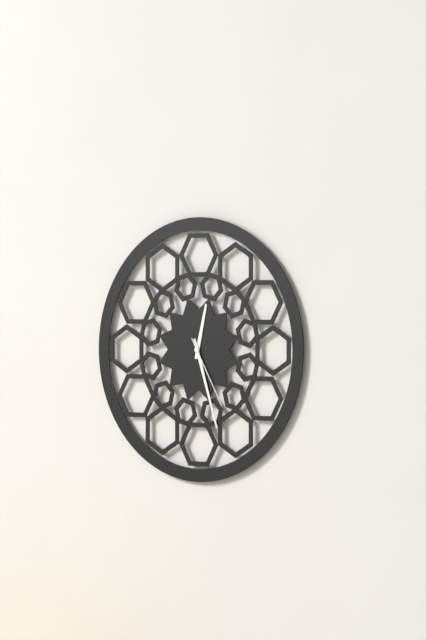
12:27:25
